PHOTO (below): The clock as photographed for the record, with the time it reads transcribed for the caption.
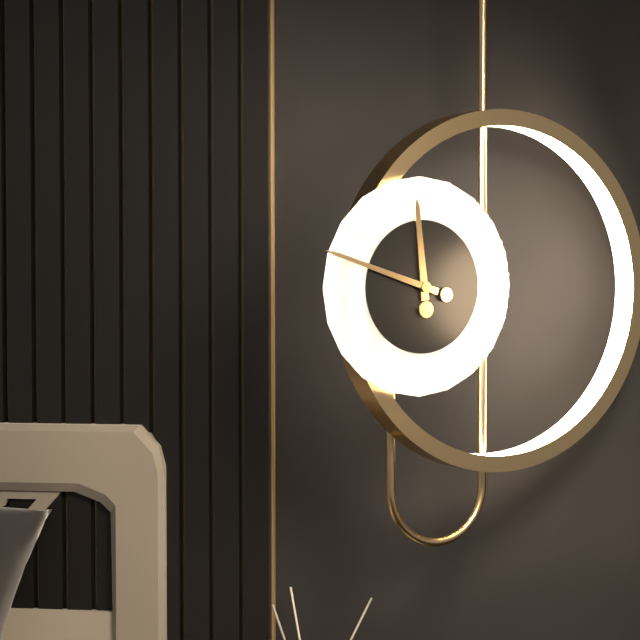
11:48
